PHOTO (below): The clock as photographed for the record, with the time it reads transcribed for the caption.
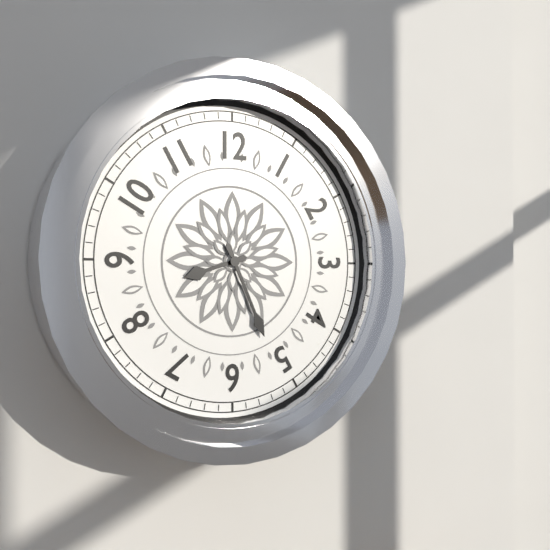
8:26
